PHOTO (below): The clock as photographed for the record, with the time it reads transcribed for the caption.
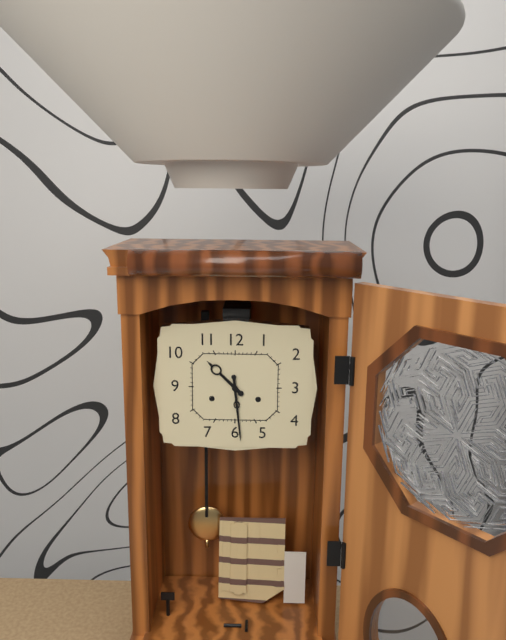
10:29
